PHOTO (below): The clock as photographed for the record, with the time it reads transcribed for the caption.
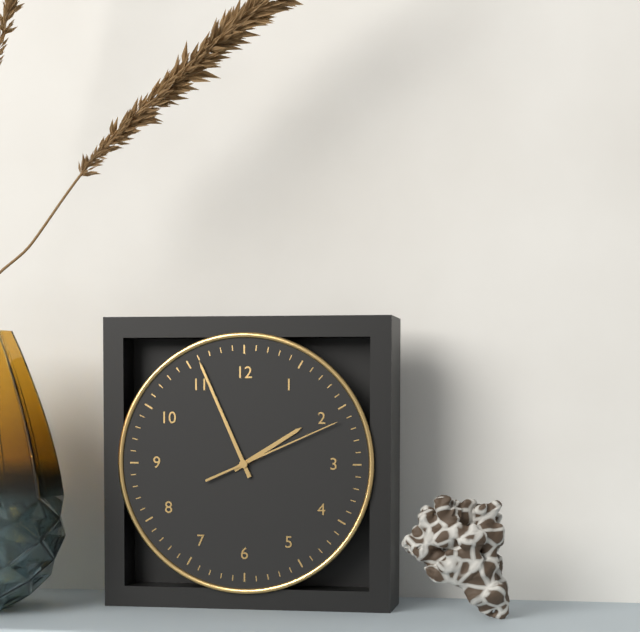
1:56:11
